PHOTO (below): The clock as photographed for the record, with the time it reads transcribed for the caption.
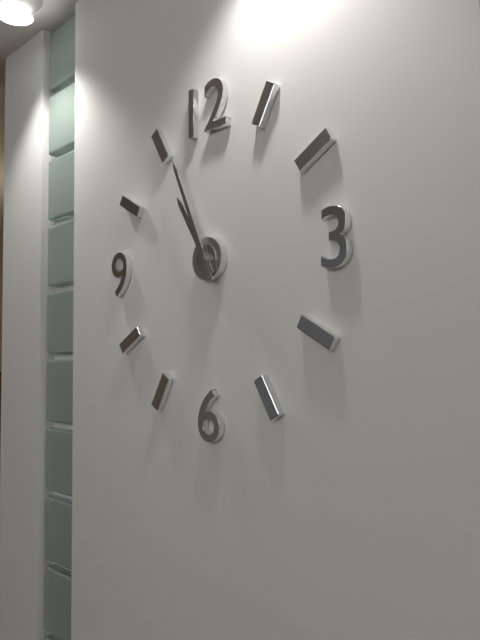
10:56
